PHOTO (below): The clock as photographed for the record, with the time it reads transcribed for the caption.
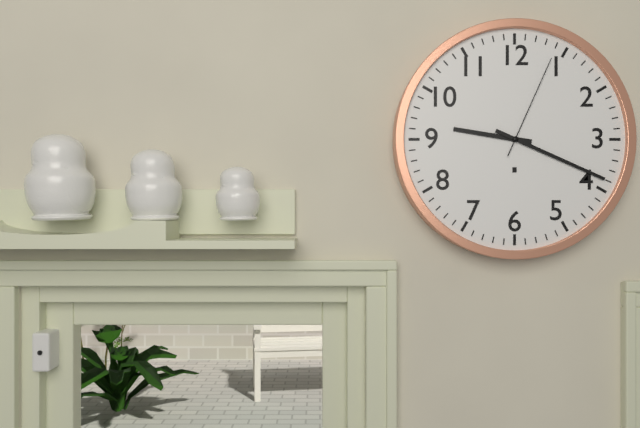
9:19:04
